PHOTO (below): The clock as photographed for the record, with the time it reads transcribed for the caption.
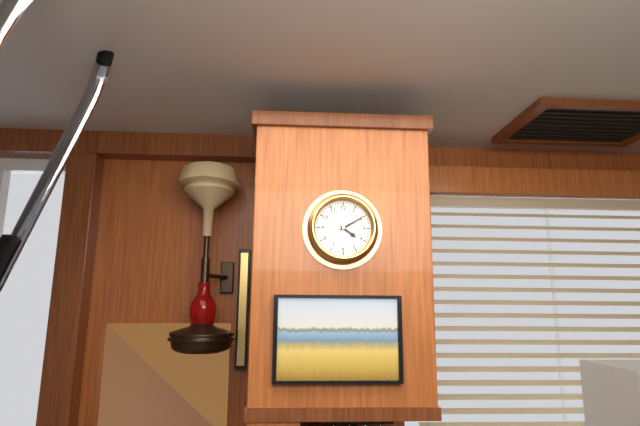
4:10
